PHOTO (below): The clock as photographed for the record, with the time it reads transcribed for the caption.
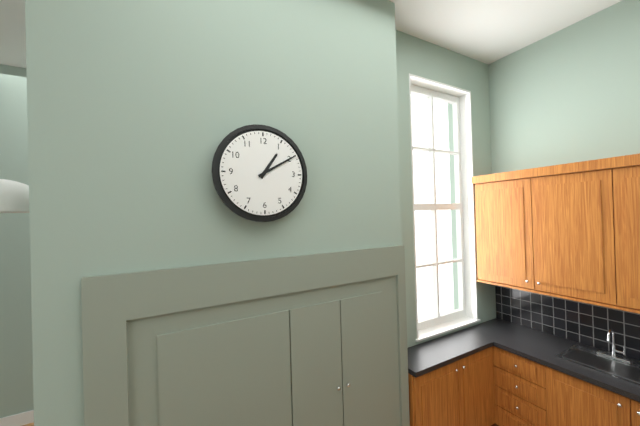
1:10
